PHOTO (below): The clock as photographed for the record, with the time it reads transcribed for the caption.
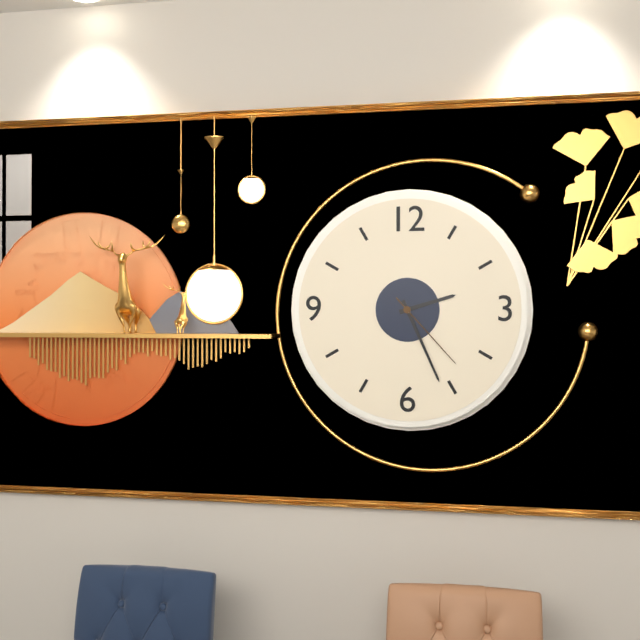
2:26:23
